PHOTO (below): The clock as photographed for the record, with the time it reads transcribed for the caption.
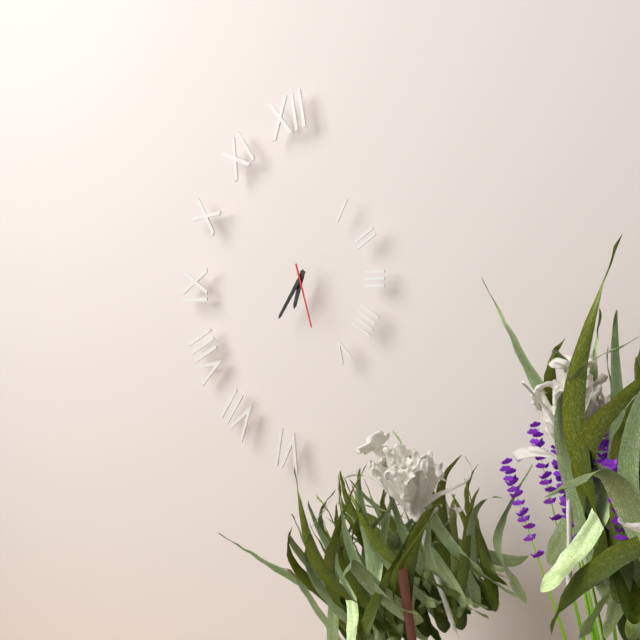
6:36:27
